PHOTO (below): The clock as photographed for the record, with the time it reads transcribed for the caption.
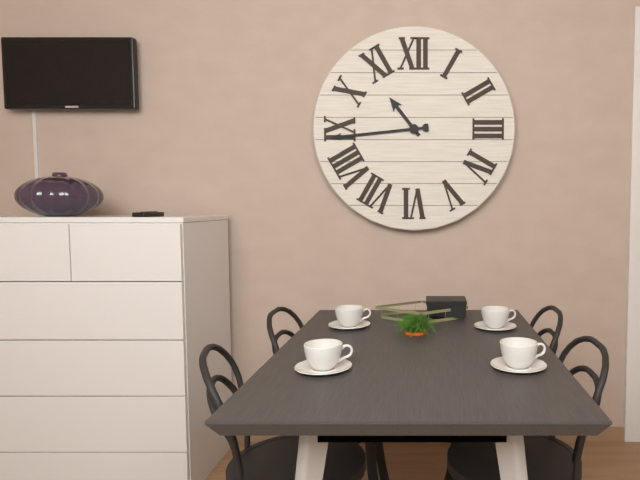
10:44
